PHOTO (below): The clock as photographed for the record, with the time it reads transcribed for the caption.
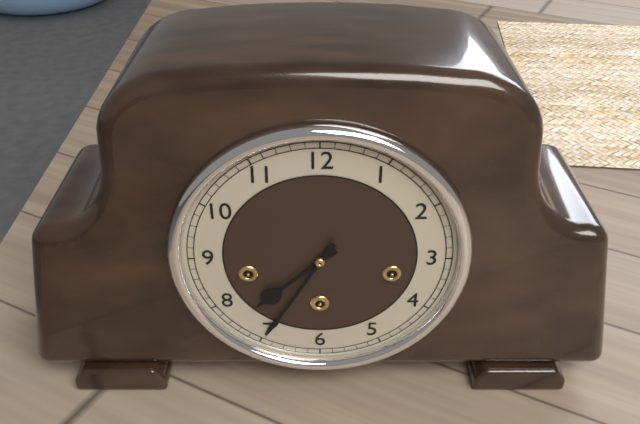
7:35
